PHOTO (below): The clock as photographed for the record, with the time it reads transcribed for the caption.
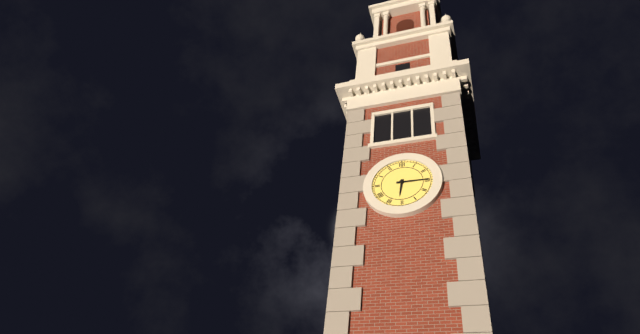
6:15
